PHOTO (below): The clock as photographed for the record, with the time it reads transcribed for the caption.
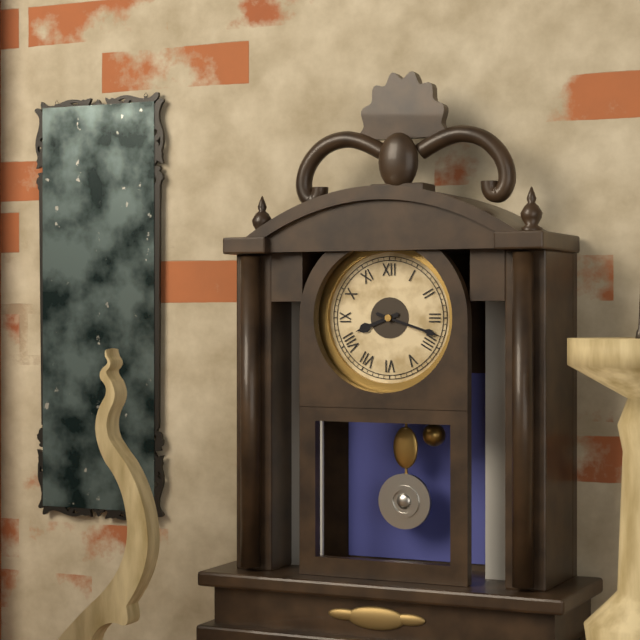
8:18
